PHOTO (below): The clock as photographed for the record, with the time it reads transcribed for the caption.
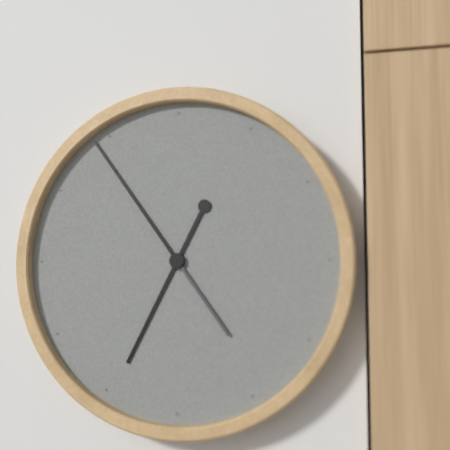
6:54
